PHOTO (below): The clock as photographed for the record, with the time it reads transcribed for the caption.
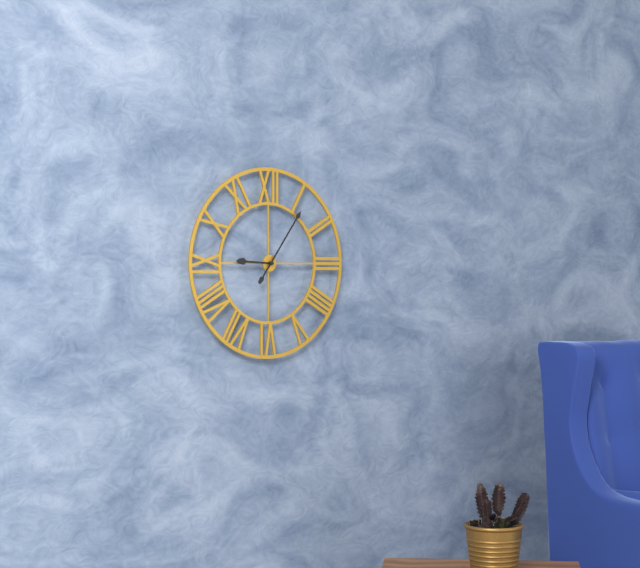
9:06
